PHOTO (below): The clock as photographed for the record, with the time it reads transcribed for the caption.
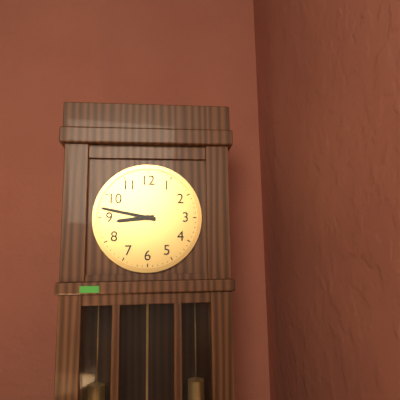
8:47
